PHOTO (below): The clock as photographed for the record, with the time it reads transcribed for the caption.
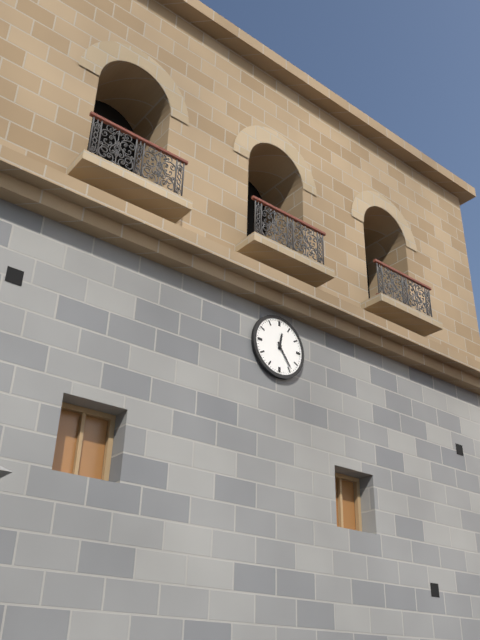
12:24
